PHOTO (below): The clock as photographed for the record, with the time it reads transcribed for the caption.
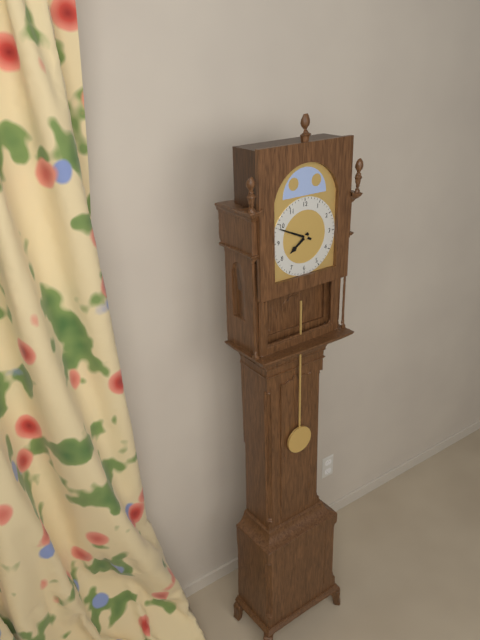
7:49
